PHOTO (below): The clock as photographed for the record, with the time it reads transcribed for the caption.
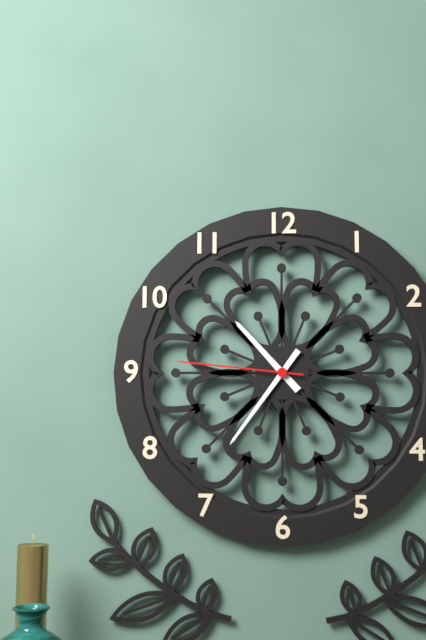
10:36:46
